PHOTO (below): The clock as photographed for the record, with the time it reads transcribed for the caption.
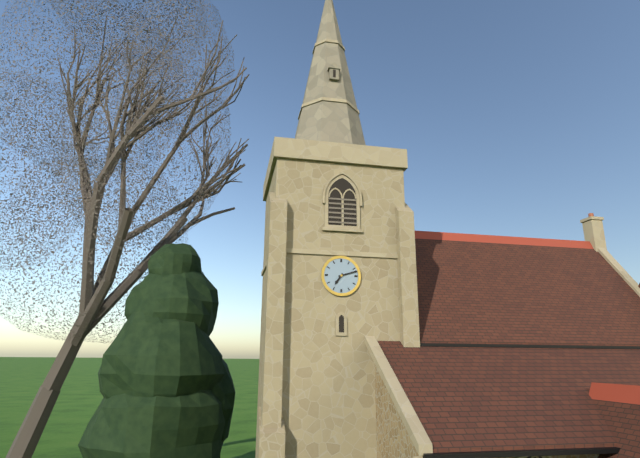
7:12
